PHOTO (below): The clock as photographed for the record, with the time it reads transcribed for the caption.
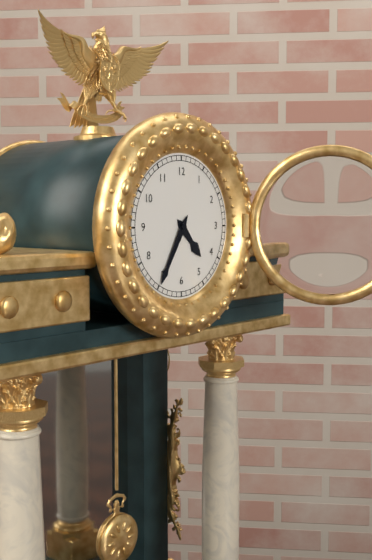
4:35
